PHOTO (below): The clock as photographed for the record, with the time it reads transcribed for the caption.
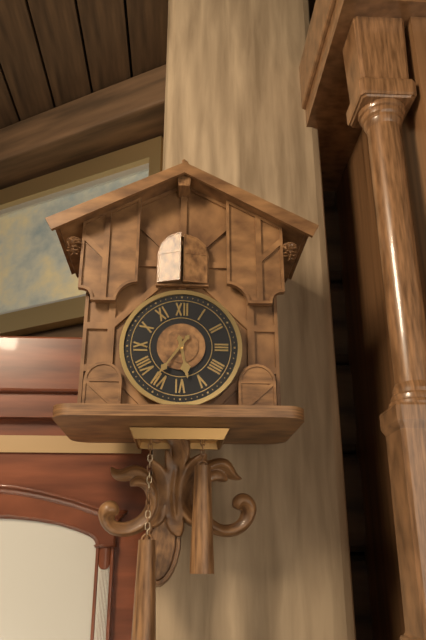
5:36
